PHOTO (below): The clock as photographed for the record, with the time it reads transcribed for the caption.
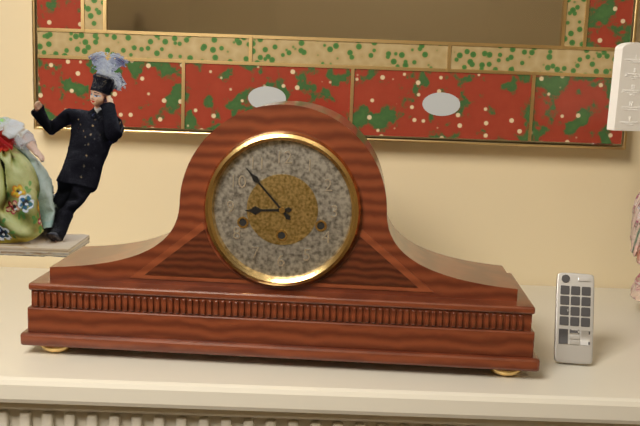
8:53
